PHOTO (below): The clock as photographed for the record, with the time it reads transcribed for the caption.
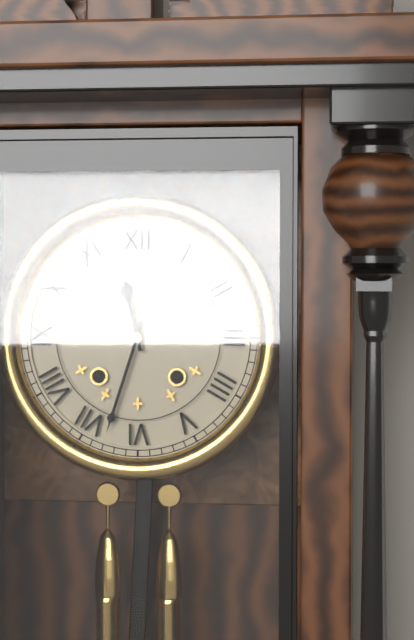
11:33
